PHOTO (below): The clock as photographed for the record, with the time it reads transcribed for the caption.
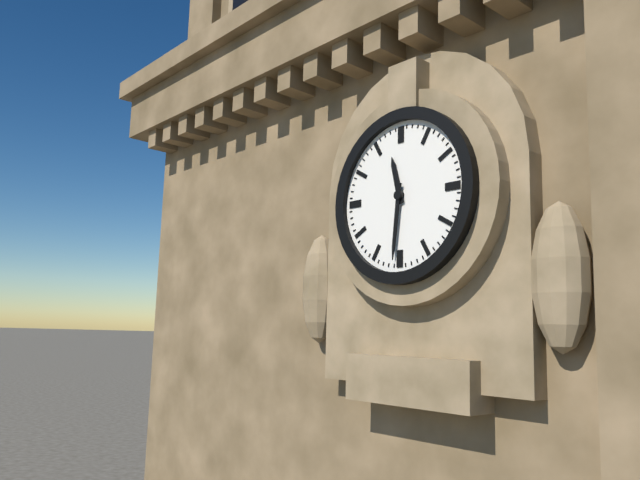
11:31
